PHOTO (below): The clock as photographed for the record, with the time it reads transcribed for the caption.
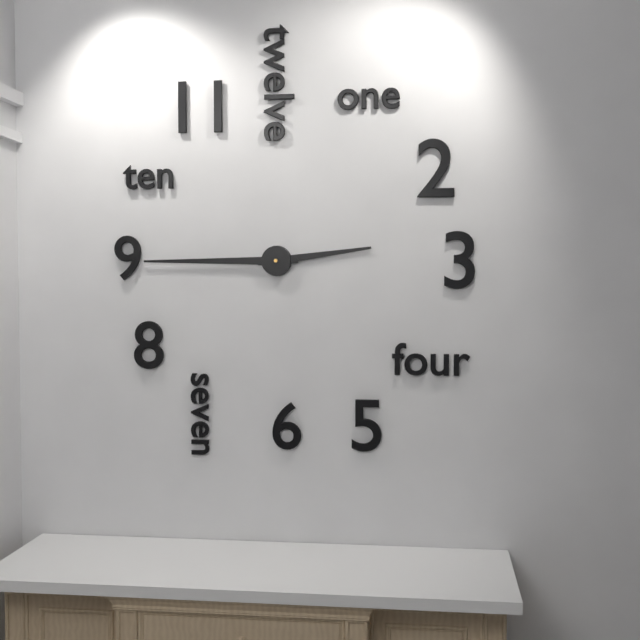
2:45
